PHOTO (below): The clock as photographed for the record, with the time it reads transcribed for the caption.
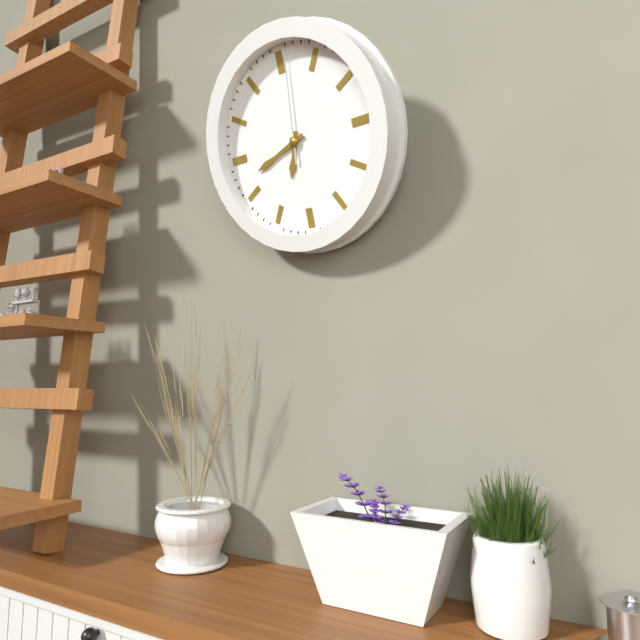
6:42:01
